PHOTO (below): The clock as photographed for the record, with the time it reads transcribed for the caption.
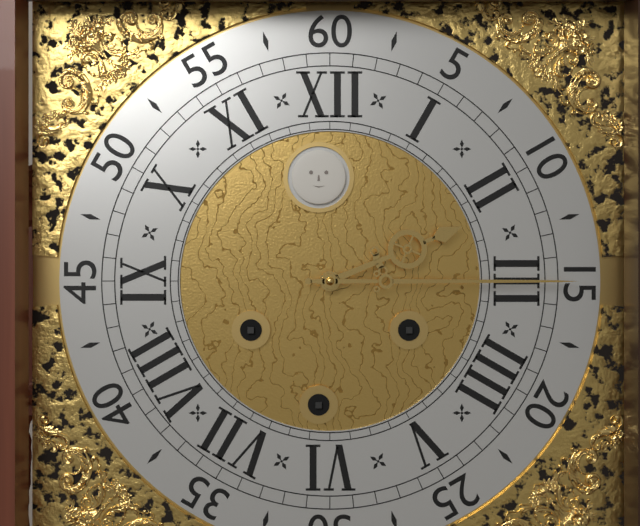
2:15
